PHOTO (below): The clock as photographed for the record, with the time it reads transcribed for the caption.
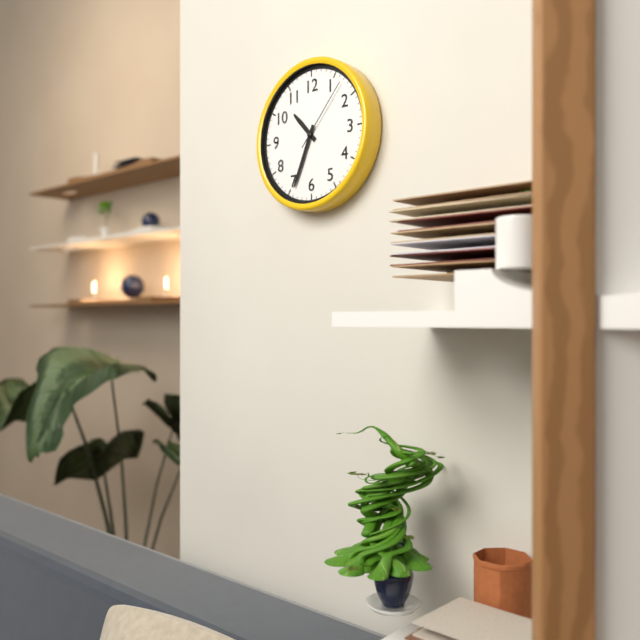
10:34:07
